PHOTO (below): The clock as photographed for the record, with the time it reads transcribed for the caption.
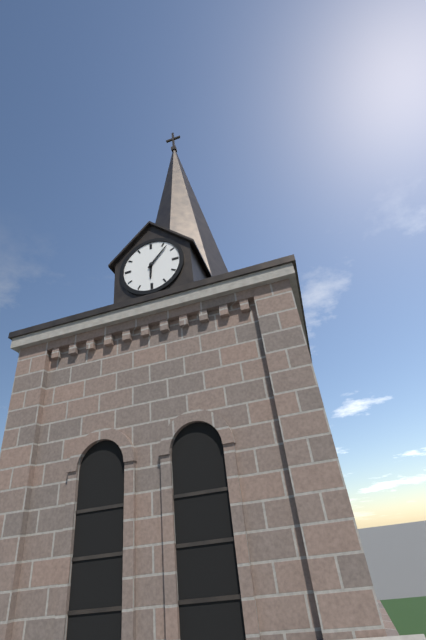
6:07
